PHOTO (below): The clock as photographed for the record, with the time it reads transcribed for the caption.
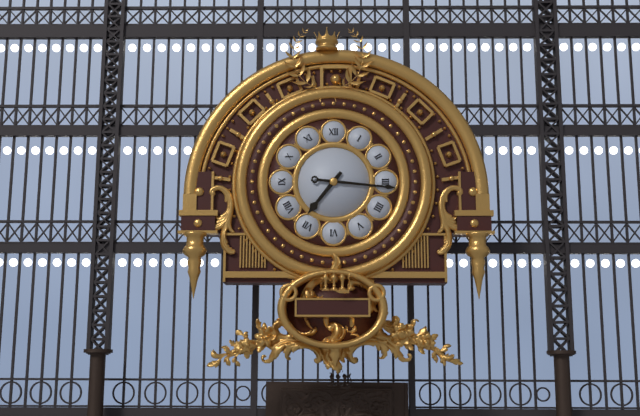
7:16
